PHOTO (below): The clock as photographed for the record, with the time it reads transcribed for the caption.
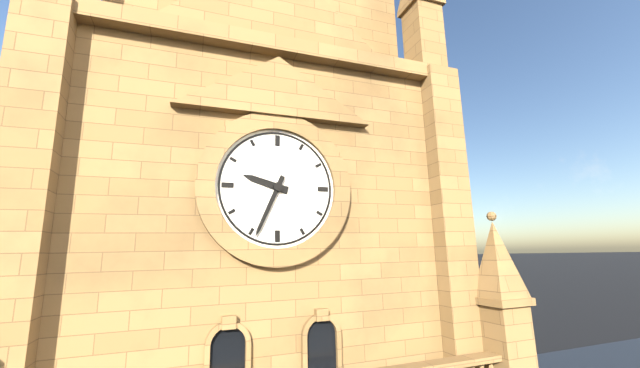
9:34
